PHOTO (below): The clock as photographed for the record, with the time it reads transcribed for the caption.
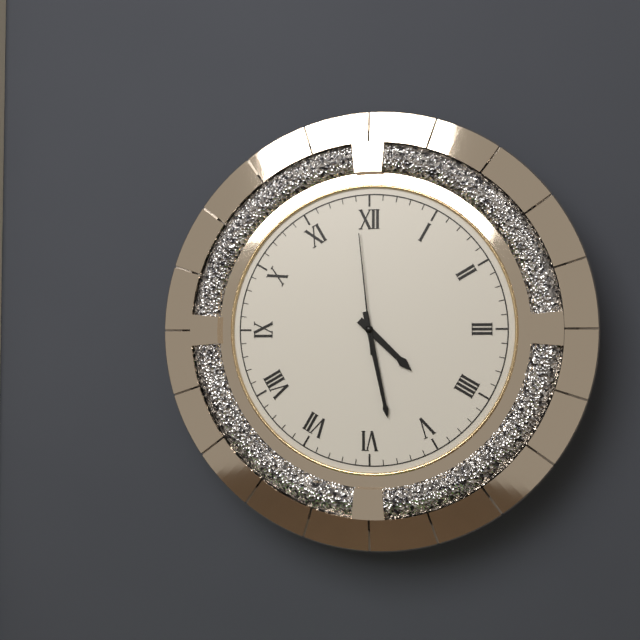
4:28:59
